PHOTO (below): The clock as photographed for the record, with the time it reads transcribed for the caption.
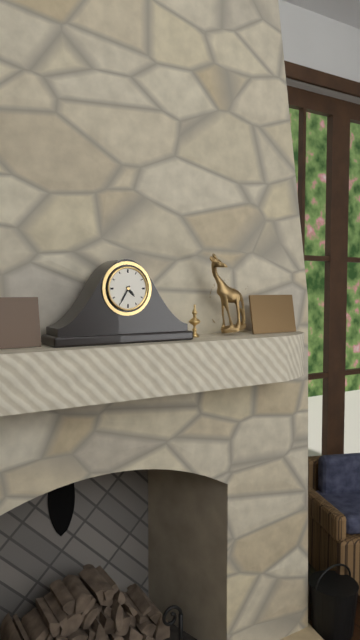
4:35
